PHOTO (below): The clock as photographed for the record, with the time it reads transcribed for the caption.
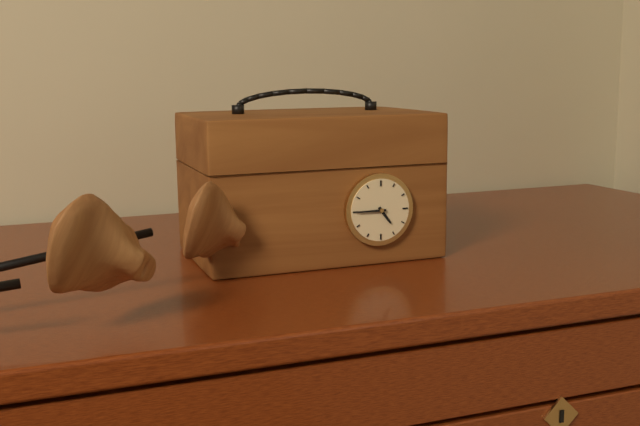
4:45
